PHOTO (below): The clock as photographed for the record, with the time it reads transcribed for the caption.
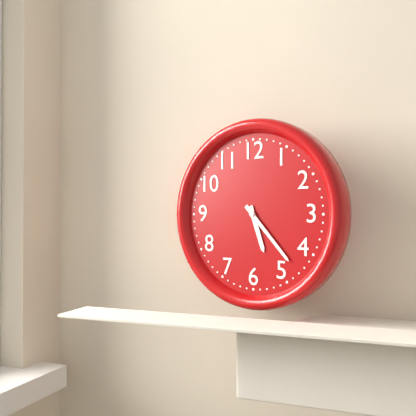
5:23
